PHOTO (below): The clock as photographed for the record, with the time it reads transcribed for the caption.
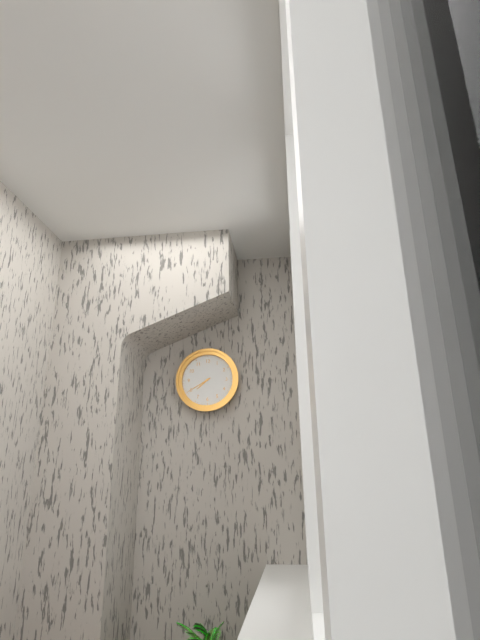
7:40
